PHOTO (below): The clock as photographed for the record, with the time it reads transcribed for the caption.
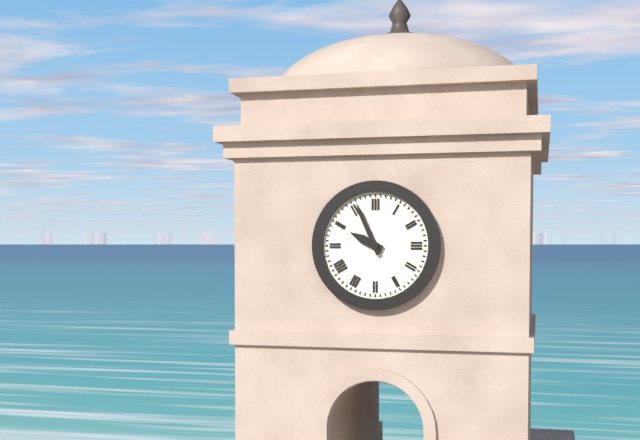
9:56
